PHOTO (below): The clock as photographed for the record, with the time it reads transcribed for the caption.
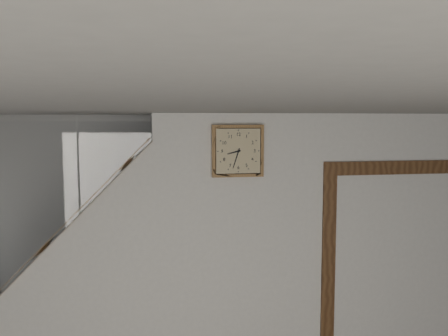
8:33
